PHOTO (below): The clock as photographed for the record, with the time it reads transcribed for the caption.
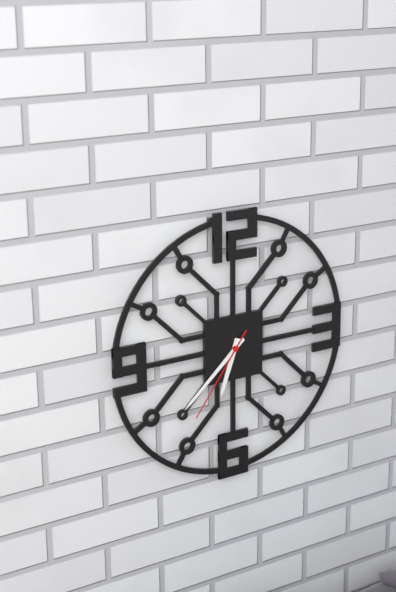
6:38:36
